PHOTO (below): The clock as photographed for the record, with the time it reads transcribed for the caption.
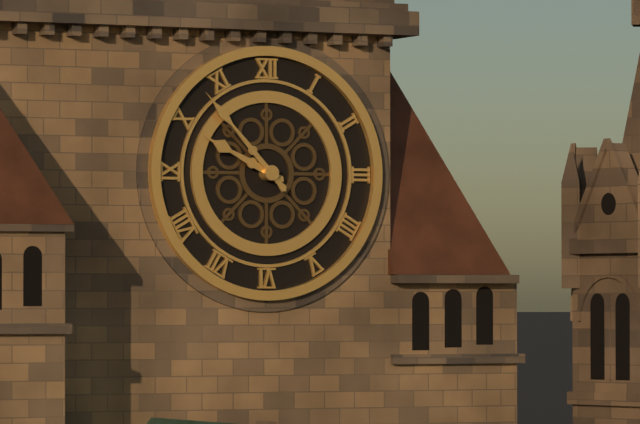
9:53
